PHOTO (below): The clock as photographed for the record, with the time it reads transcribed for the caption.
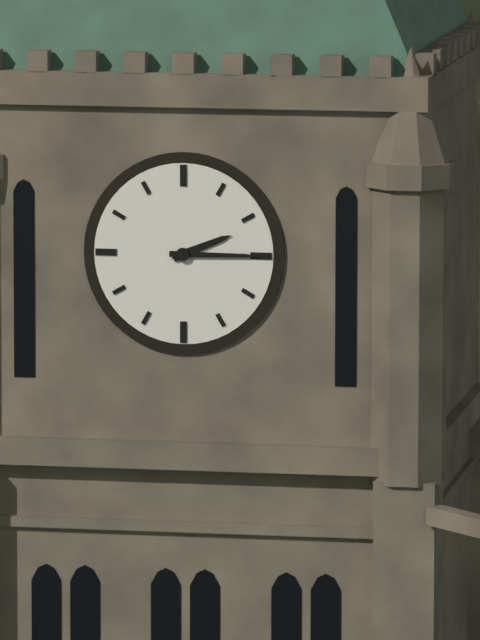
2:15
